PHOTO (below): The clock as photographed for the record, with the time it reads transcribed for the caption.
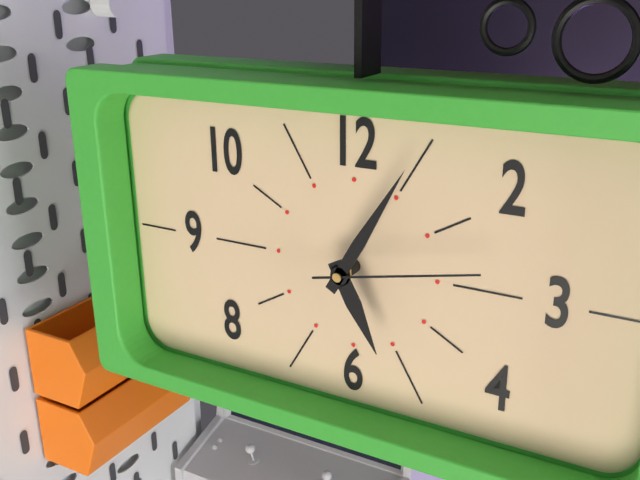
5:05:13
